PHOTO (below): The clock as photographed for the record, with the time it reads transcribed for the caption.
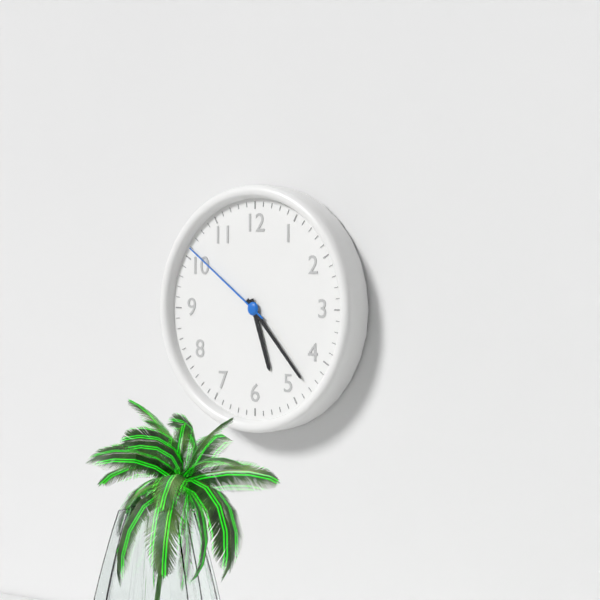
5:23:51
